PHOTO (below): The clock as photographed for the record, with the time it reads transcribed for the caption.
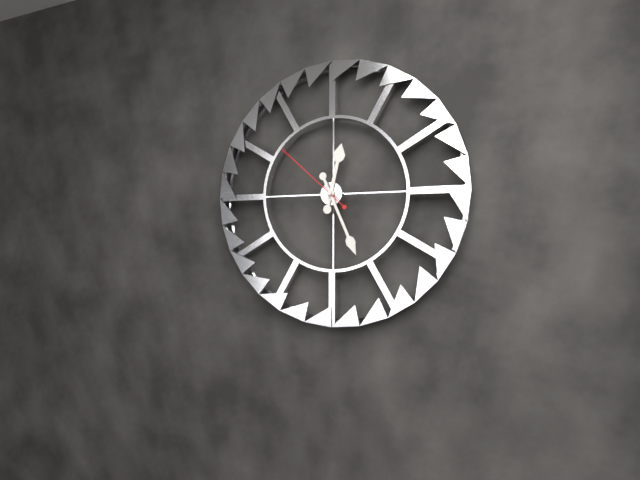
12:26:52
